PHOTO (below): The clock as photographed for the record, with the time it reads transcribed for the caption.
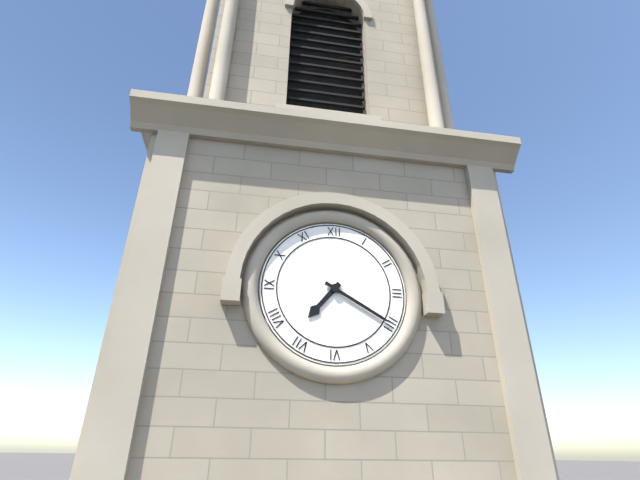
7:20
